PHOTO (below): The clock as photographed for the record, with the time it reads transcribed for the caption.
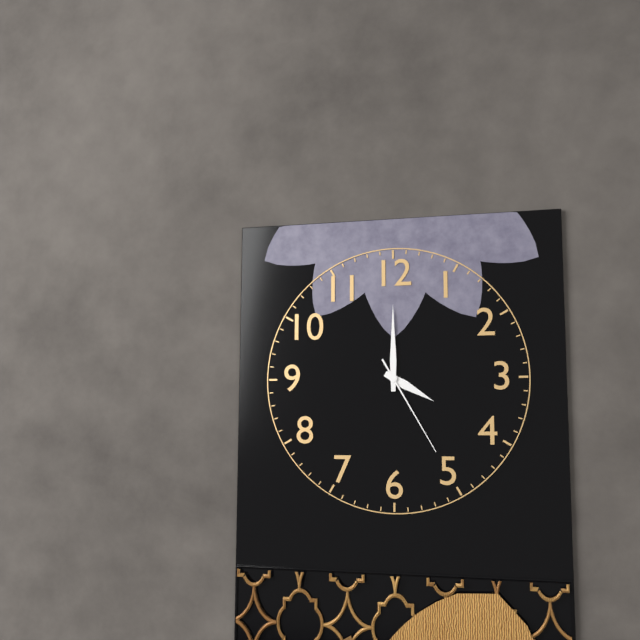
4:00:25
